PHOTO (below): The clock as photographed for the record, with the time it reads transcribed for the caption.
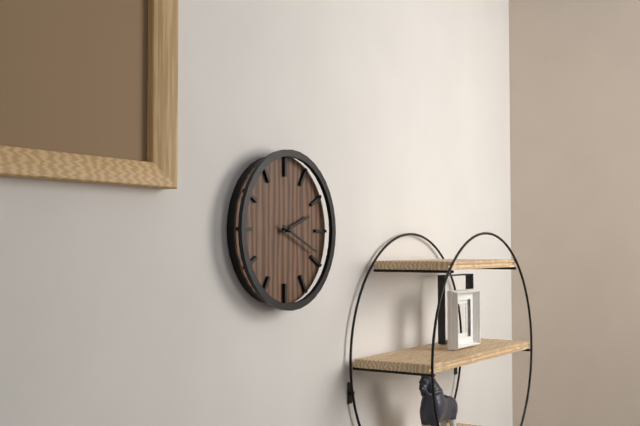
2:19
